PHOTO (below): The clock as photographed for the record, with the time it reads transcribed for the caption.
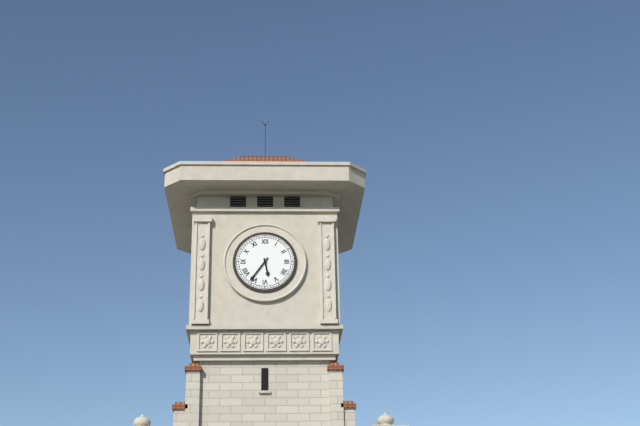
5:36
